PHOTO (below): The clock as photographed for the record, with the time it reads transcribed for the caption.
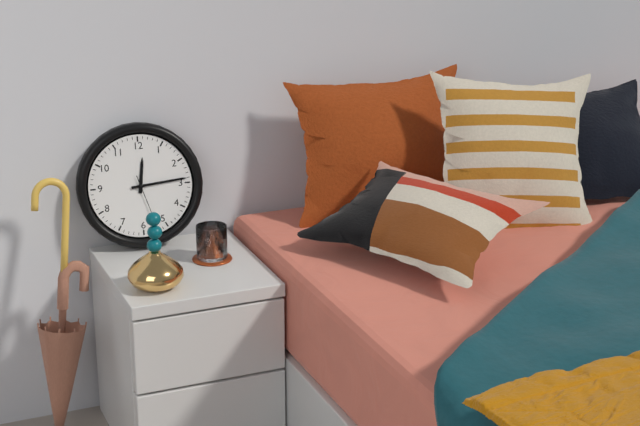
12:14
